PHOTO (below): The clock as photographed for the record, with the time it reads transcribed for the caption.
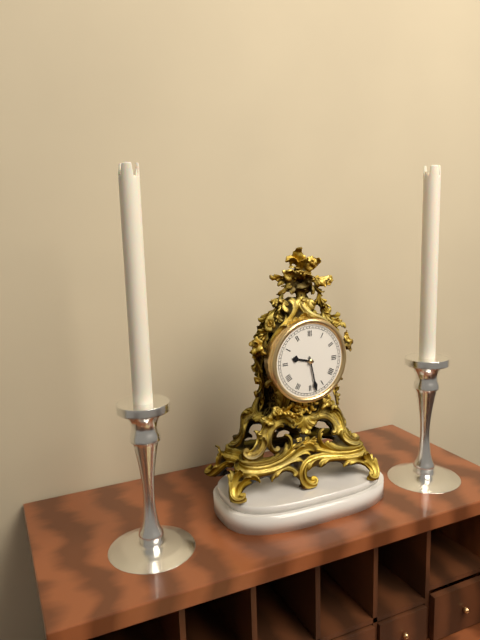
9:28
